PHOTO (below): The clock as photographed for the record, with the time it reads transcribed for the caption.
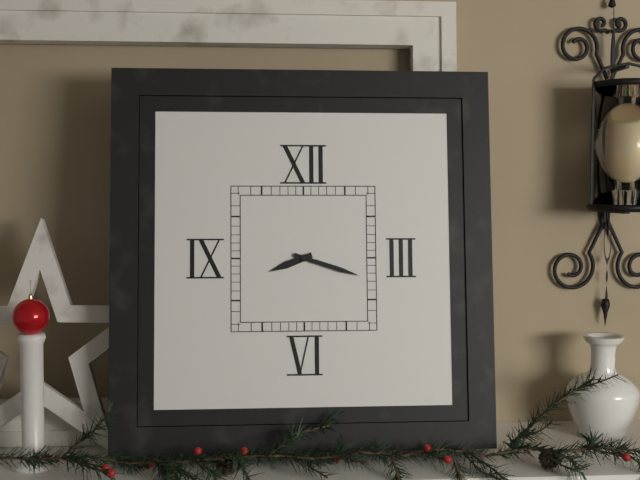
8:18
